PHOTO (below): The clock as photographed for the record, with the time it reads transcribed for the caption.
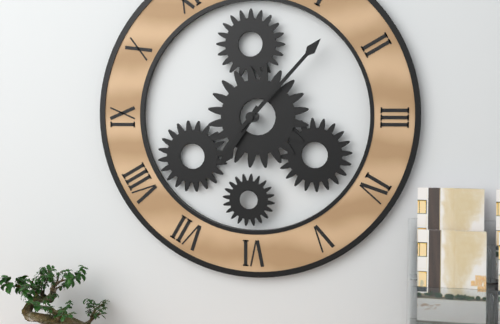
7:07
